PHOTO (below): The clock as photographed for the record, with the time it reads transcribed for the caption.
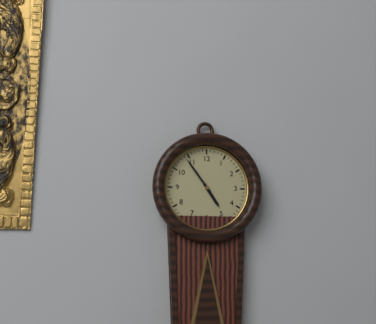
4:54
